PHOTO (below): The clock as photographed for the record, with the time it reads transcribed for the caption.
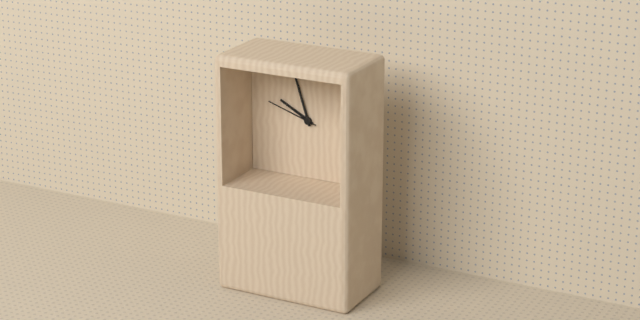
9:57:48
